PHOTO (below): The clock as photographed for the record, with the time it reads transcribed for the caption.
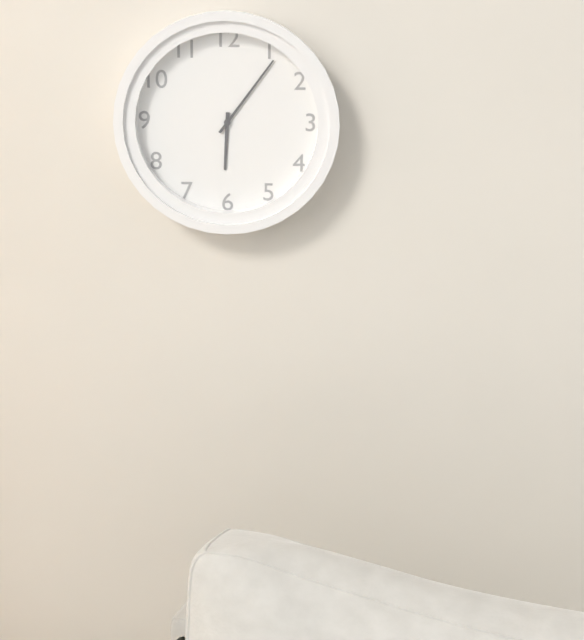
6:06
